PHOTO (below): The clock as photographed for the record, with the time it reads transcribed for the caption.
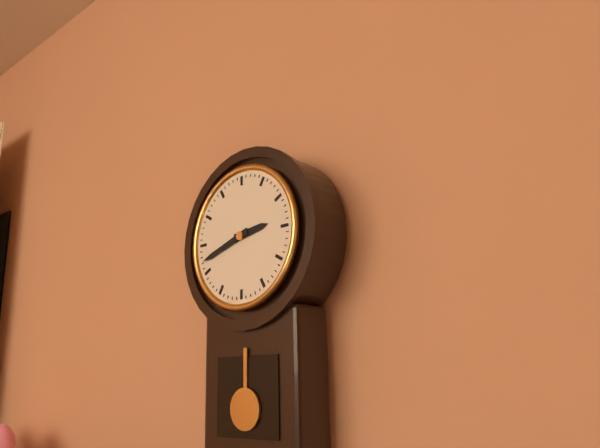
2:42
